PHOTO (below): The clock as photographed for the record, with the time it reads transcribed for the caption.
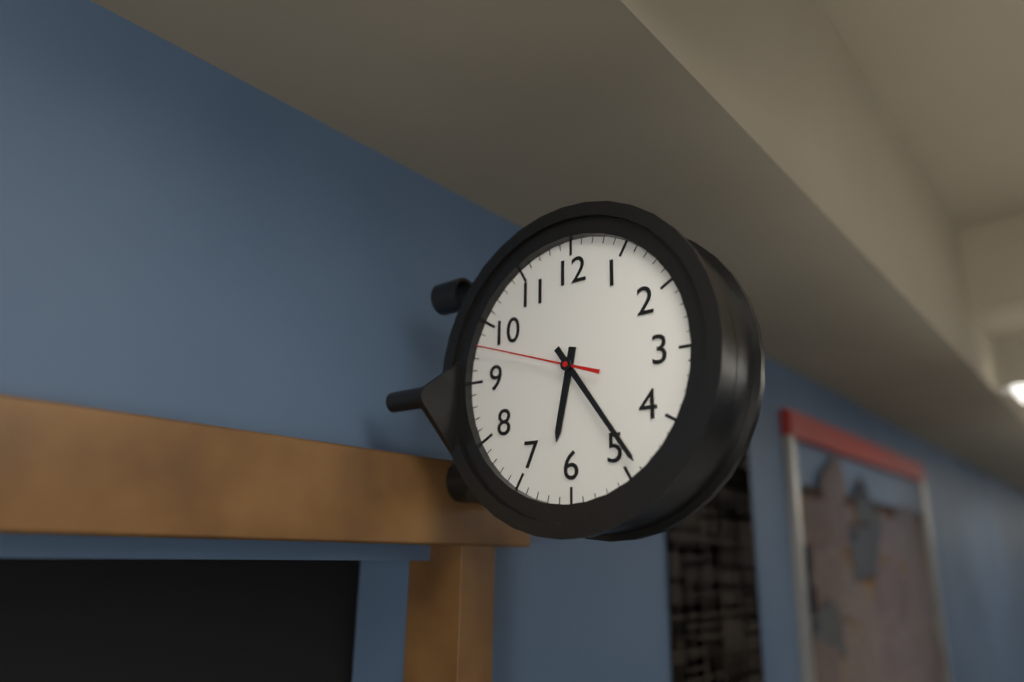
6:24:48
